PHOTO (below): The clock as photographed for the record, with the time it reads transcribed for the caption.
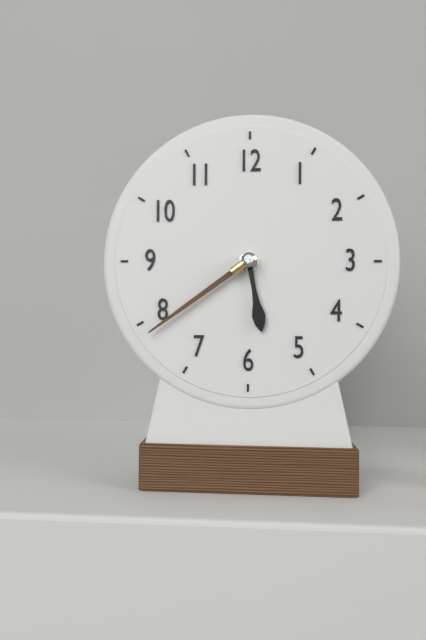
5:39
